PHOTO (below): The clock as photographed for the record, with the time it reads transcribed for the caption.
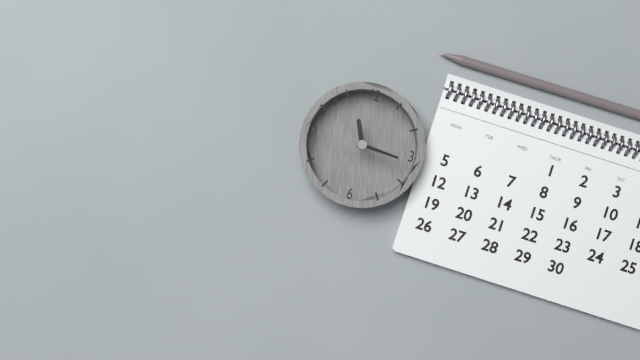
11:16
